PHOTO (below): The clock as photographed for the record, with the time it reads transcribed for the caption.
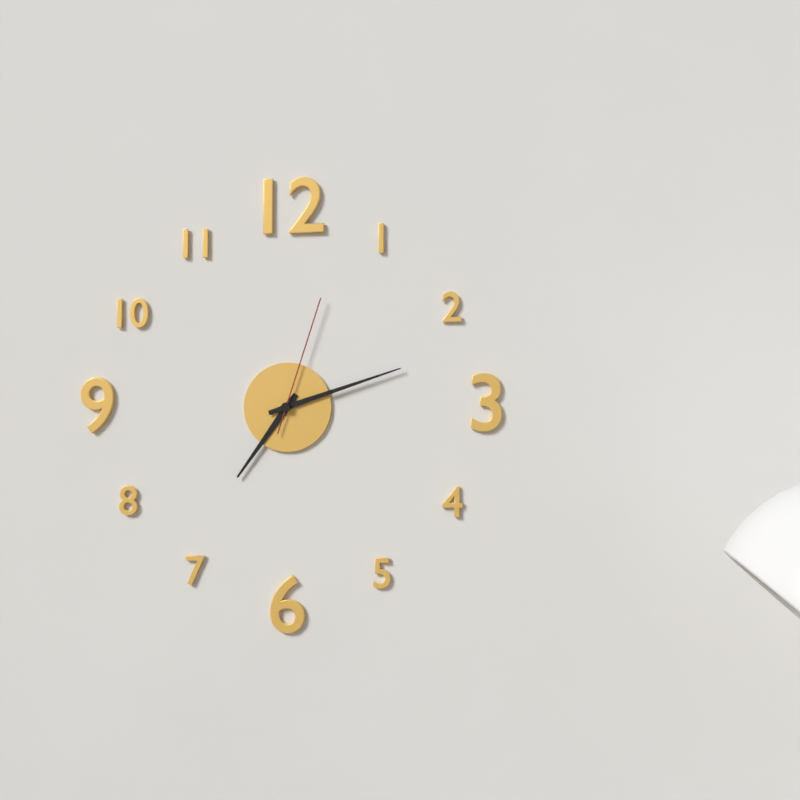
7:12:03
